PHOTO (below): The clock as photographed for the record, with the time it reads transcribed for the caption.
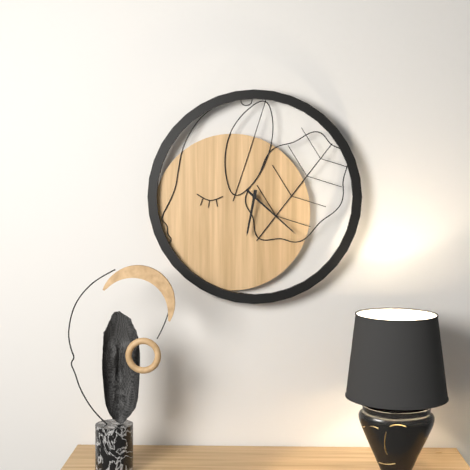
6:22
